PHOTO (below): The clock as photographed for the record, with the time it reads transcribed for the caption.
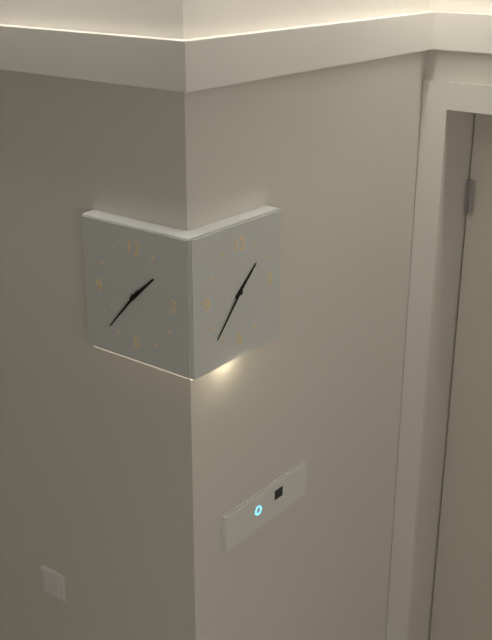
1:37
